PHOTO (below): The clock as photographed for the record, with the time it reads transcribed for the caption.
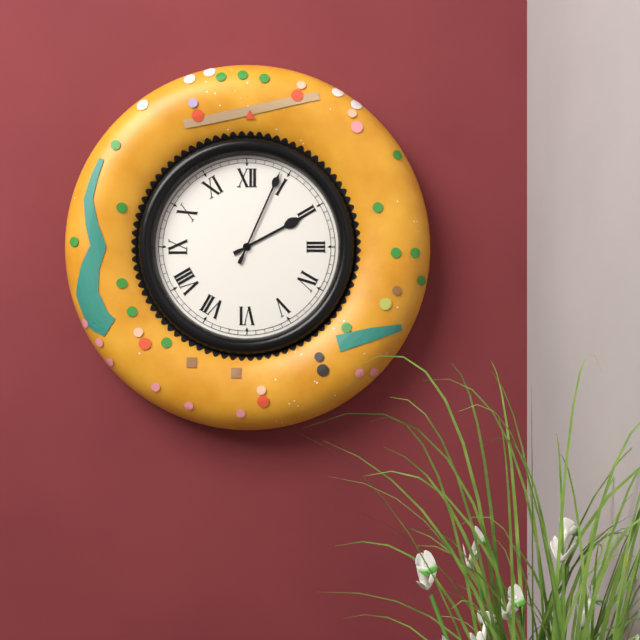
2:04
